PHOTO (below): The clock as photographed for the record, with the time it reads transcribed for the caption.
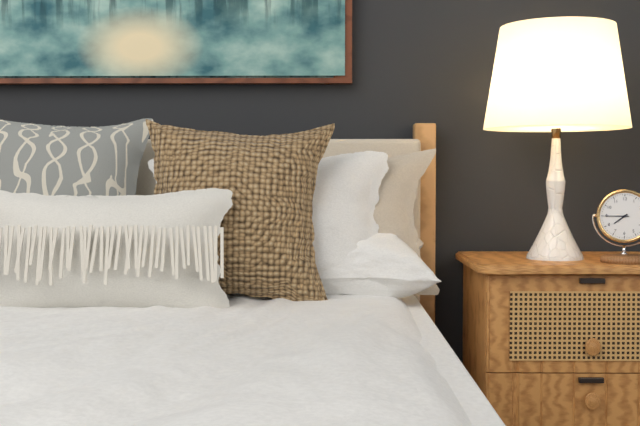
7:45
